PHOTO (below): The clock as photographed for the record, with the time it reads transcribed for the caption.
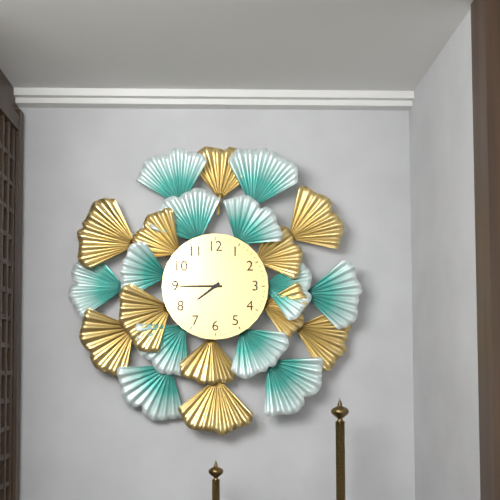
7:45
